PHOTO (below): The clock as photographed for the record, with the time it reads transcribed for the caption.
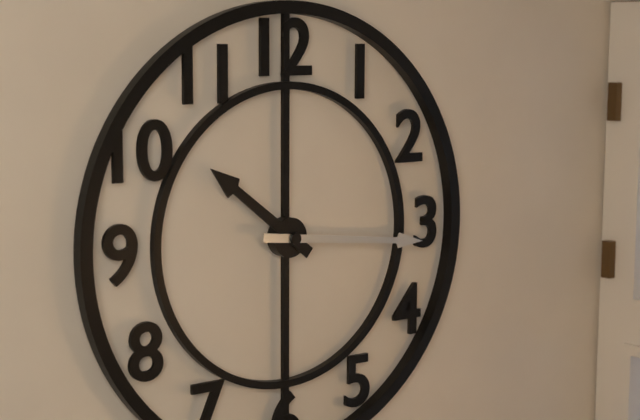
10:16
